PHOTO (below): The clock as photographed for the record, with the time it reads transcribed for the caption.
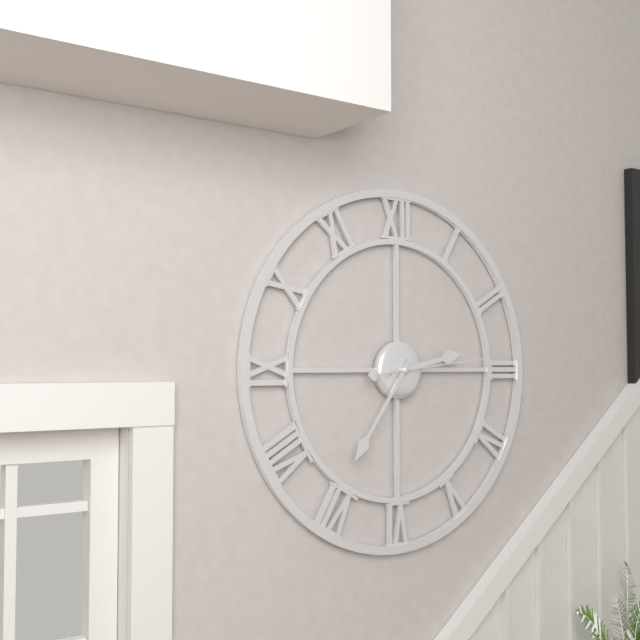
2:36:14
